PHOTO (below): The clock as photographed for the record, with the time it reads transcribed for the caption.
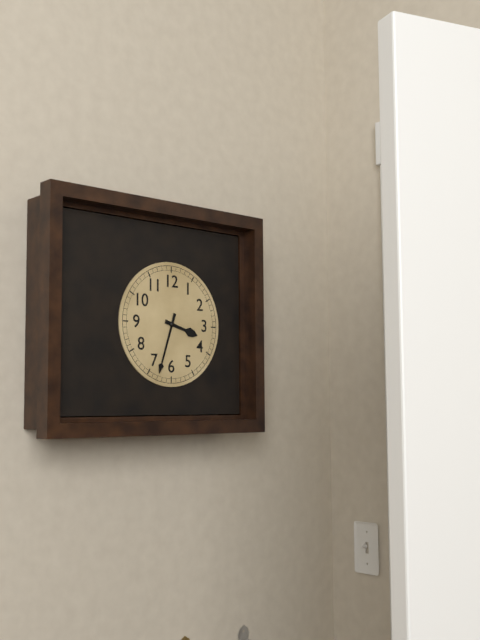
3:33
